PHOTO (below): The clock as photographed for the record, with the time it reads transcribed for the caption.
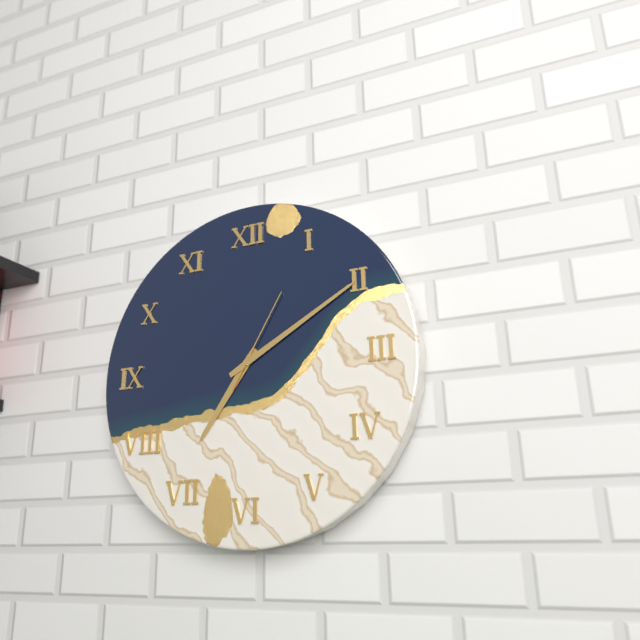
7:10:05
